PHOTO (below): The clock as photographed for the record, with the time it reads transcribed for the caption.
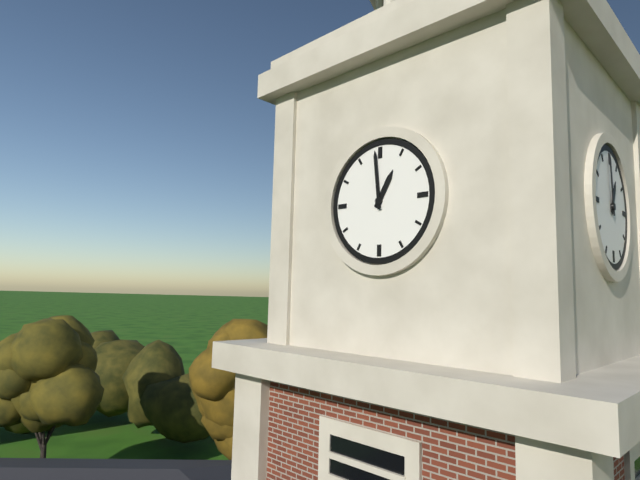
12:59
